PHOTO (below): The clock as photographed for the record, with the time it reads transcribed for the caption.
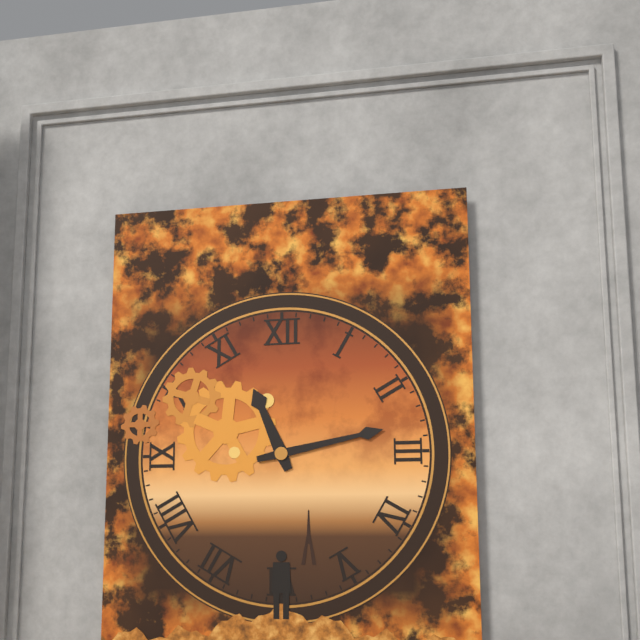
11:13
